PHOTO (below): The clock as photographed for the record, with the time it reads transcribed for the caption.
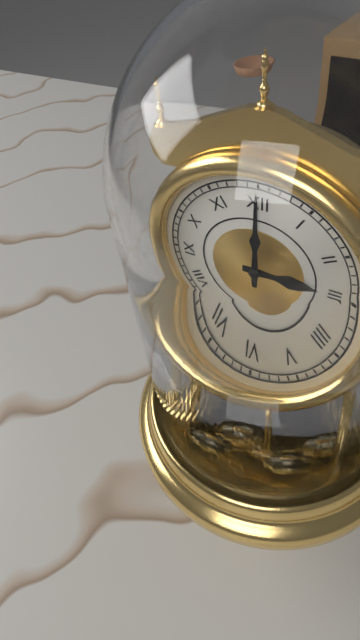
3:00
